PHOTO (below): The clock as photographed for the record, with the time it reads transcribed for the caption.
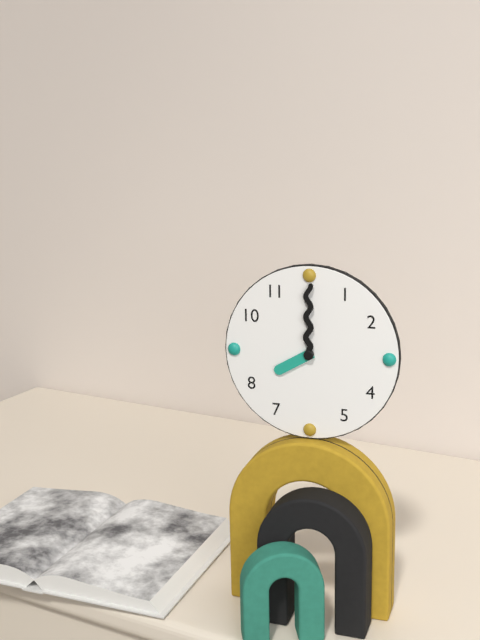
8:00
